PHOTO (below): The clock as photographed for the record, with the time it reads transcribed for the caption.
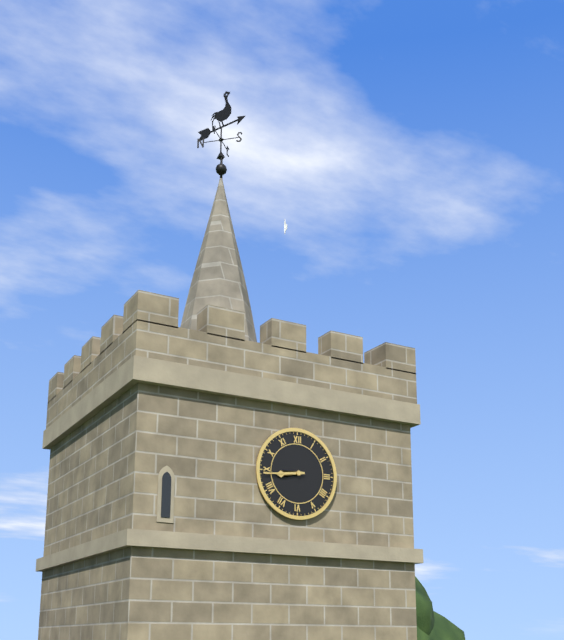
8:44
